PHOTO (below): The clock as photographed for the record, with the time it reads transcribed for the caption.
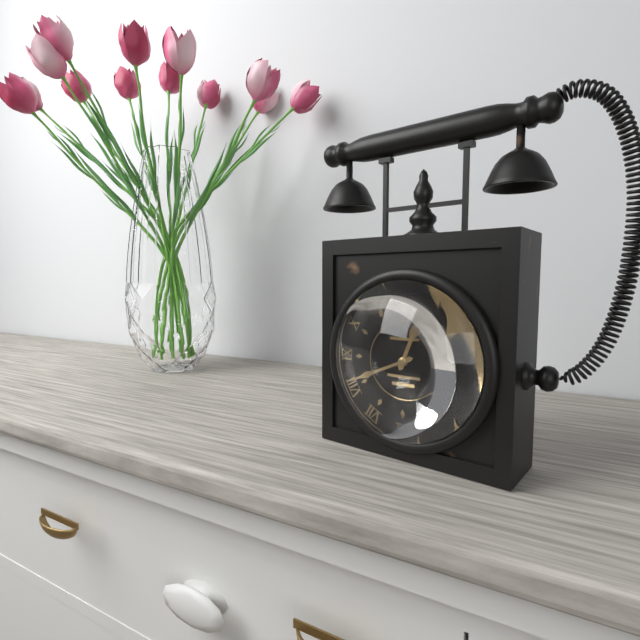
12:41
